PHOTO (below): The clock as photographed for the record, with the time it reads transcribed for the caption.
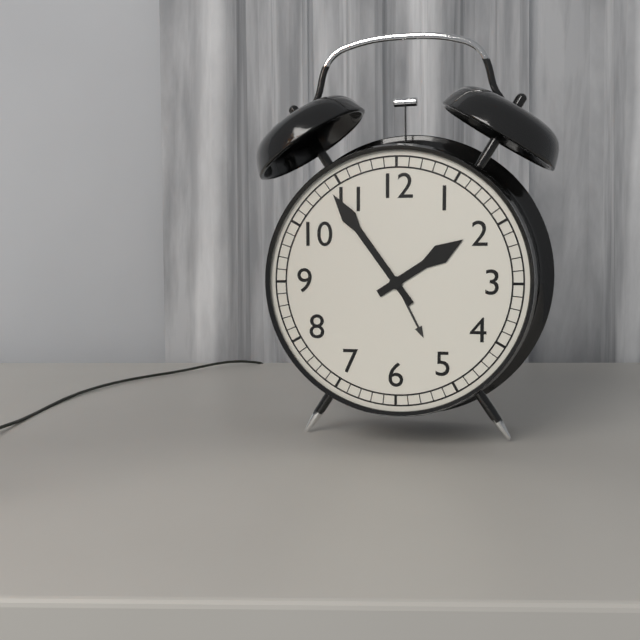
1:54
